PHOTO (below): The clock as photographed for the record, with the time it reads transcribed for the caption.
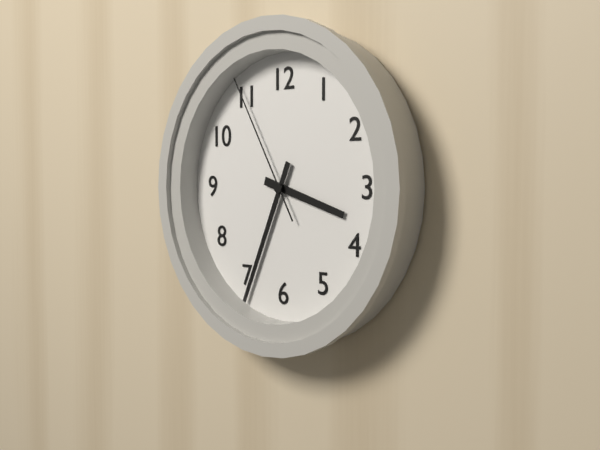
3:34:55
